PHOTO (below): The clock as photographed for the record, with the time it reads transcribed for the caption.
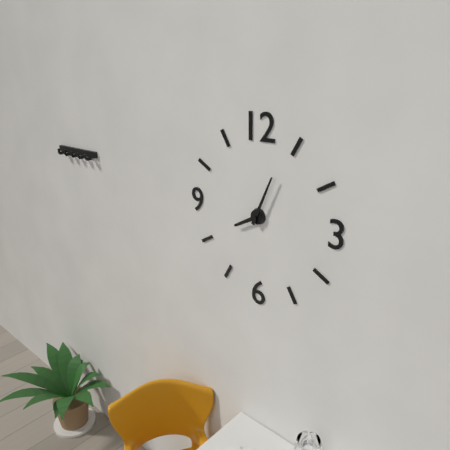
8:04
